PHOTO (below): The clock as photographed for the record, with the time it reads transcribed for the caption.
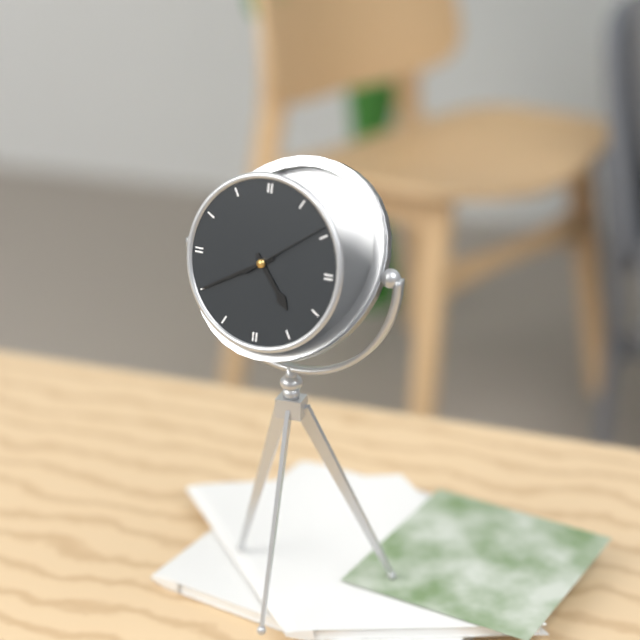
4:40:09
